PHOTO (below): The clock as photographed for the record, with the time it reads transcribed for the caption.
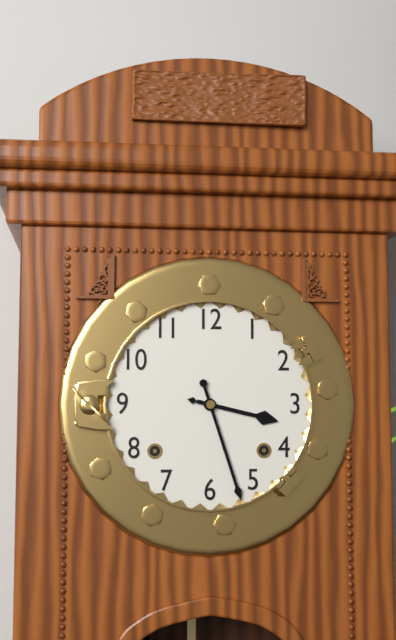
3:27
